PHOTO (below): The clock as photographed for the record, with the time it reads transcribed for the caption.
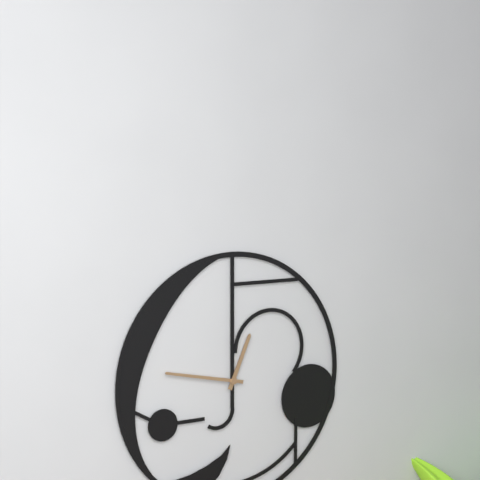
12:47
